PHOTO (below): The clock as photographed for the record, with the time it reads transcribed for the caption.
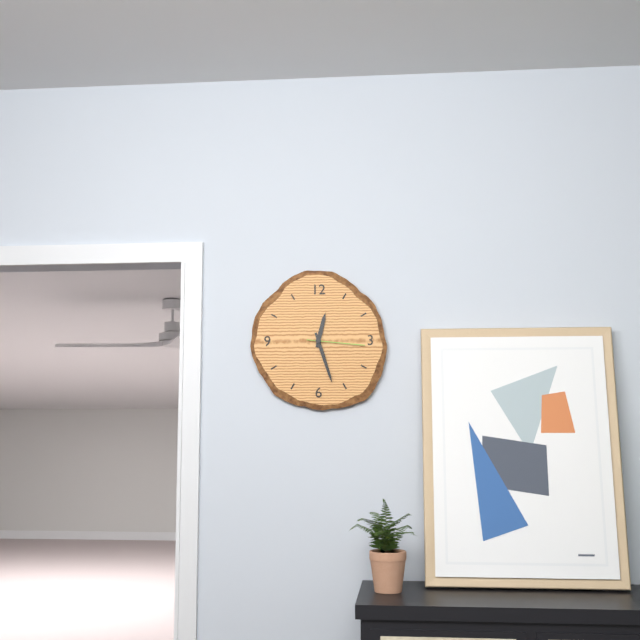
12:27:16
